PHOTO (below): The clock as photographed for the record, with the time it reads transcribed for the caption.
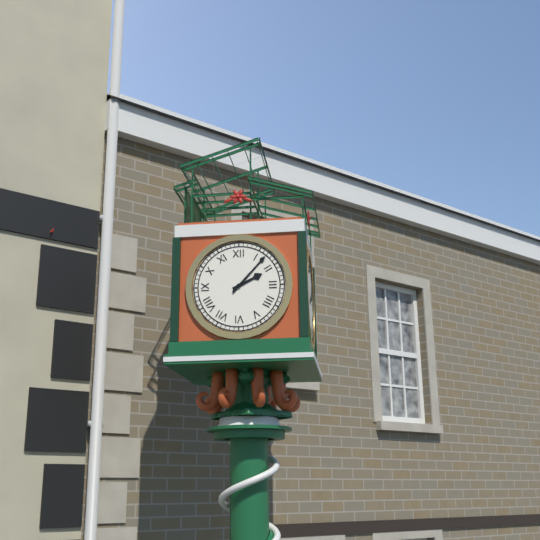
2:07
